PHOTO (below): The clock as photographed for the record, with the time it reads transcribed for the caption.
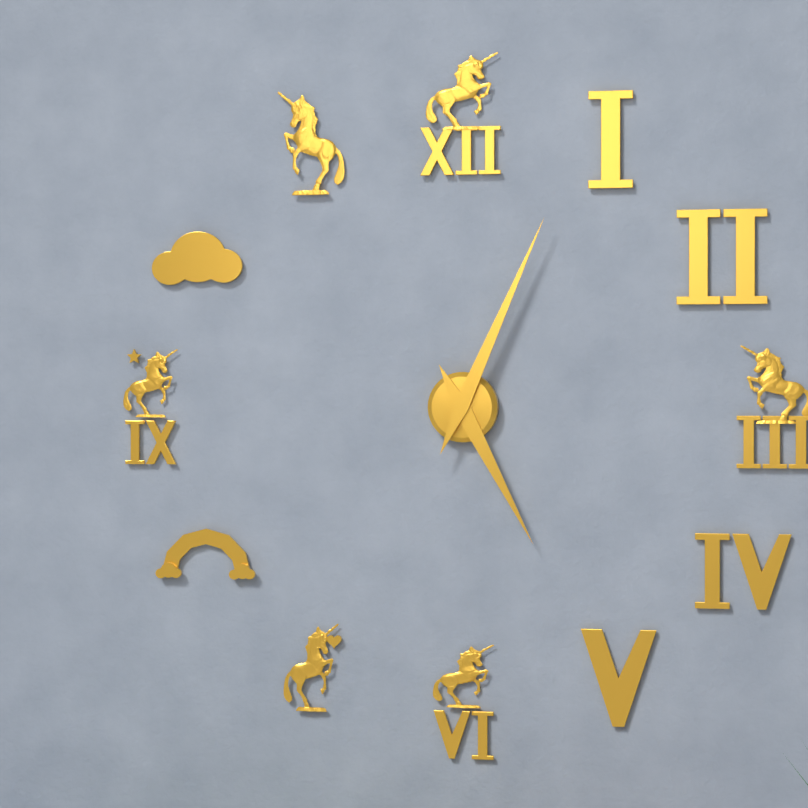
5:04
